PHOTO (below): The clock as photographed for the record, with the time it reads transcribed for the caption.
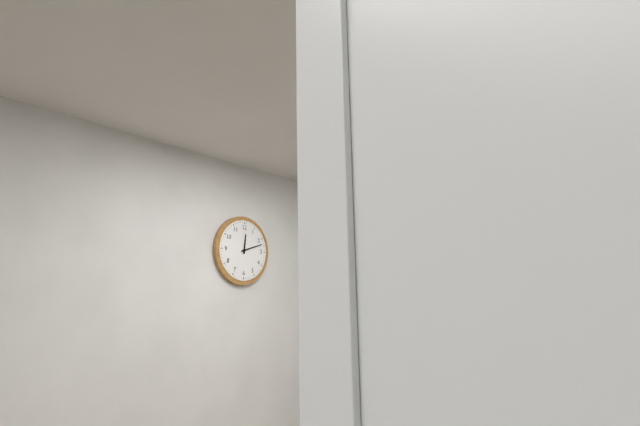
12:12
